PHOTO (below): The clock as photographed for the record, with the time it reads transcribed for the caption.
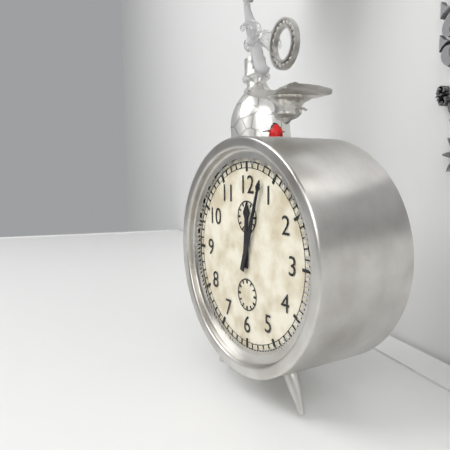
12:03
